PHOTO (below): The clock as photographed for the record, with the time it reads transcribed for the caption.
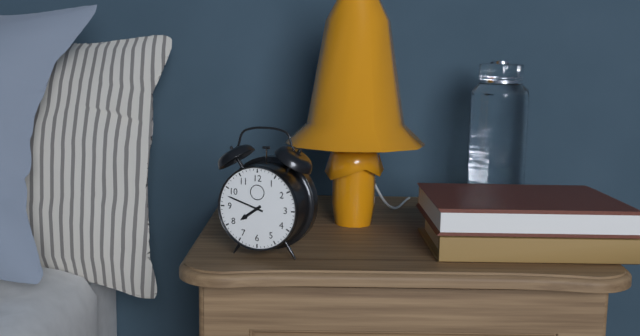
7:48
